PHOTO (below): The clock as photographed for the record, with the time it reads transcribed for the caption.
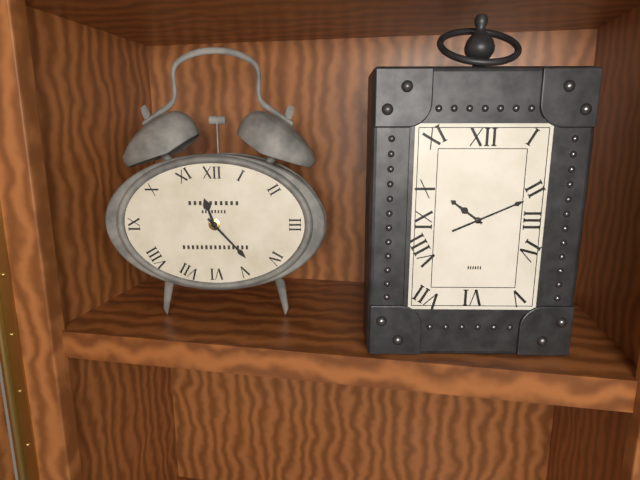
11:23
